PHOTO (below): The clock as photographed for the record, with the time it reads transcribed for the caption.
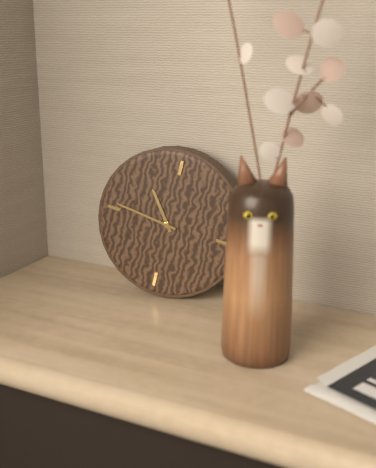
10:46
